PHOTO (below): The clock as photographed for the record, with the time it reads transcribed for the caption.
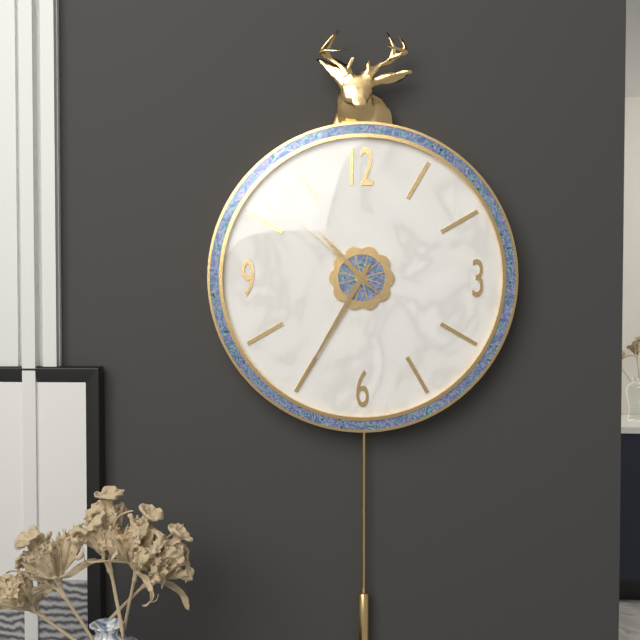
10:35:52
